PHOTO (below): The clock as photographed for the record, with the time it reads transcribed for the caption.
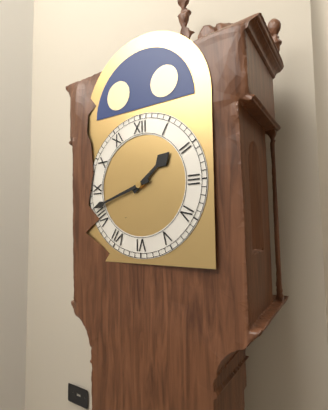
1:42
